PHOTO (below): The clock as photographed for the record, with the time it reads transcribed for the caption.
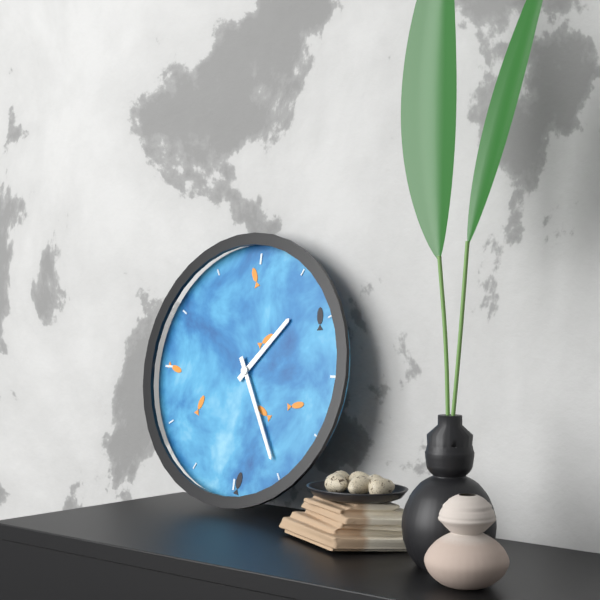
1:25
